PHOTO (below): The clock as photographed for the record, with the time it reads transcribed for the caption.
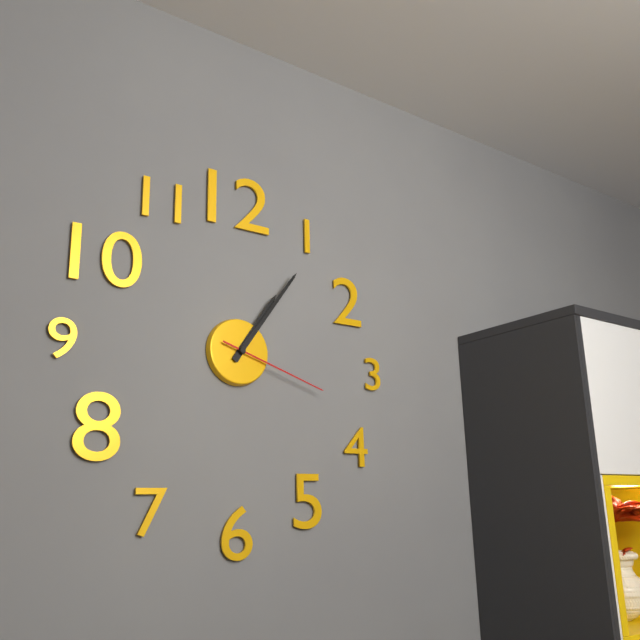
1:06:18
